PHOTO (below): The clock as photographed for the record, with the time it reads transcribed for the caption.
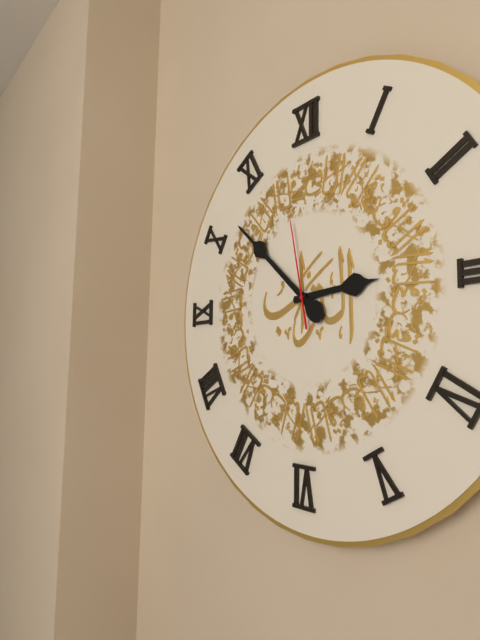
2:52:58
